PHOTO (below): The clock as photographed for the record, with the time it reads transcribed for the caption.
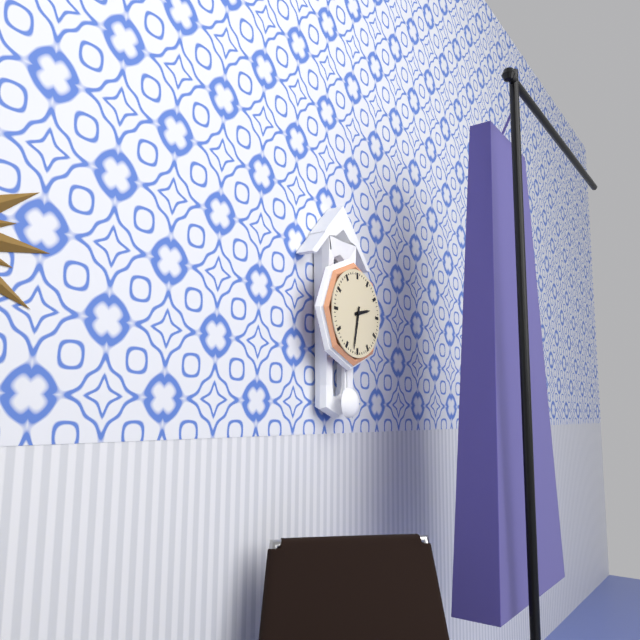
2:32
